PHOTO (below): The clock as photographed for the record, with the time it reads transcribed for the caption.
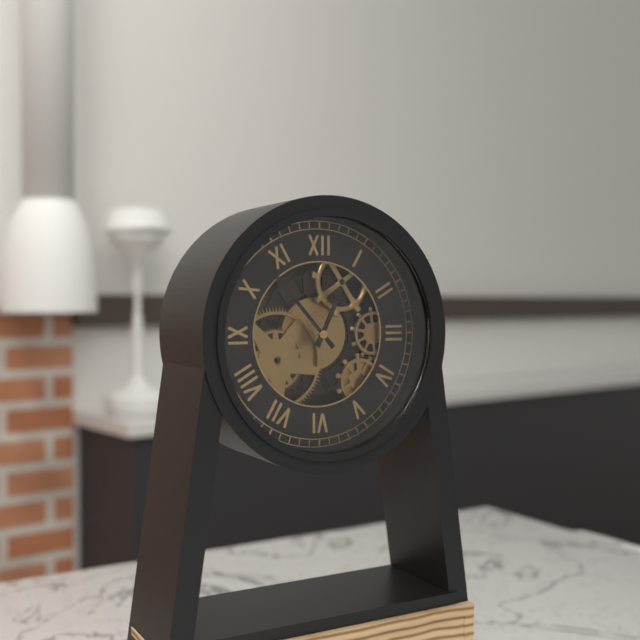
12:53
